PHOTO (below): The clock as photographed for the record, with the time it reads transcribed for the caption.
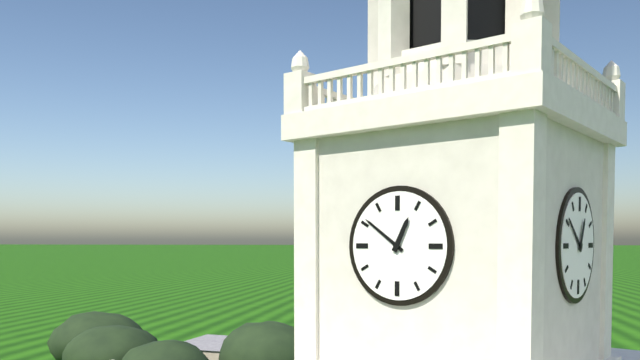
12:51
